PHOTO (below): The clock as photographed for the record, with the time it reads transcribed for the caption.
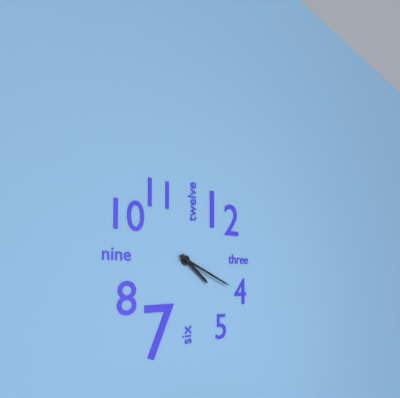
4:19
